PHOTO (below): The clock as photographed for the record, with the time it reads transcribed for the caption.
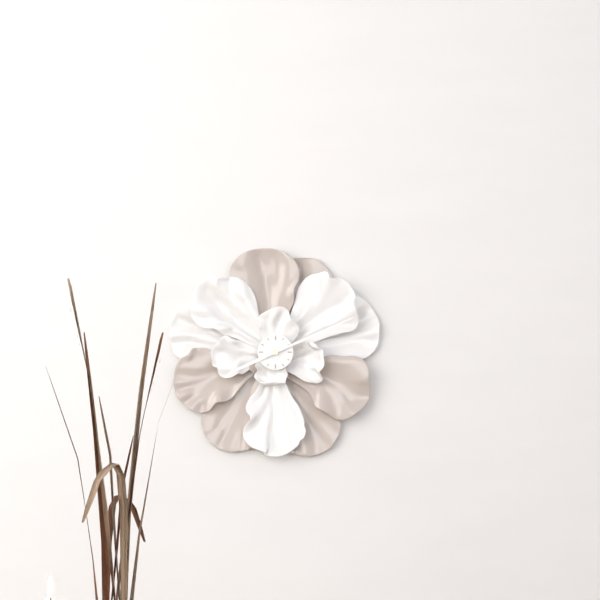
8:11
